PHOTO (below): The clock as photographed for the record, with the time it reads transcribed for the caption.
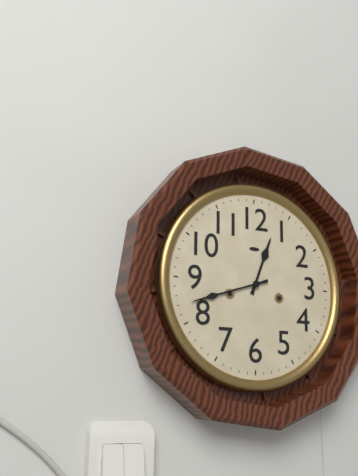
12:42
